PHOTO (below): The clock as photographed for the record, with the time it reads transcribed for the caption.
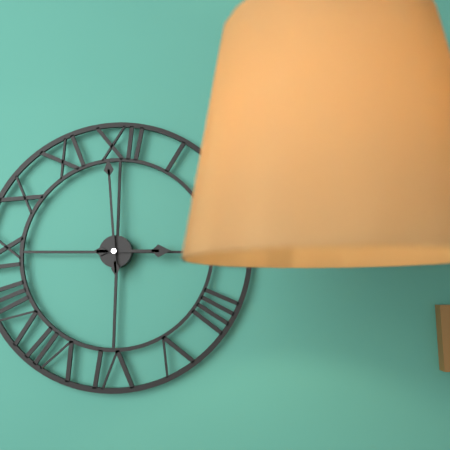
2:59
